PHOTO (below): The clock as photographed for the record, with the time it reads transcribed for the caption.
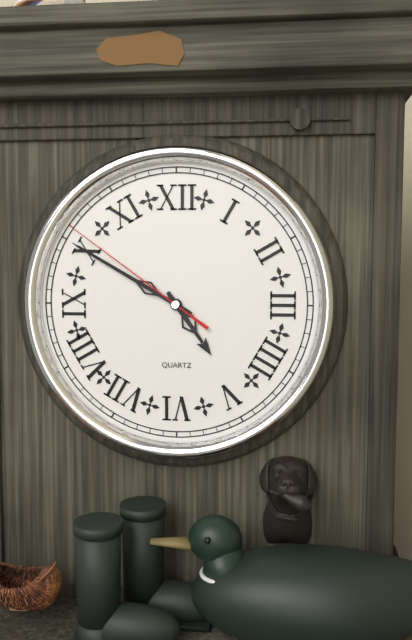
4:50:51
